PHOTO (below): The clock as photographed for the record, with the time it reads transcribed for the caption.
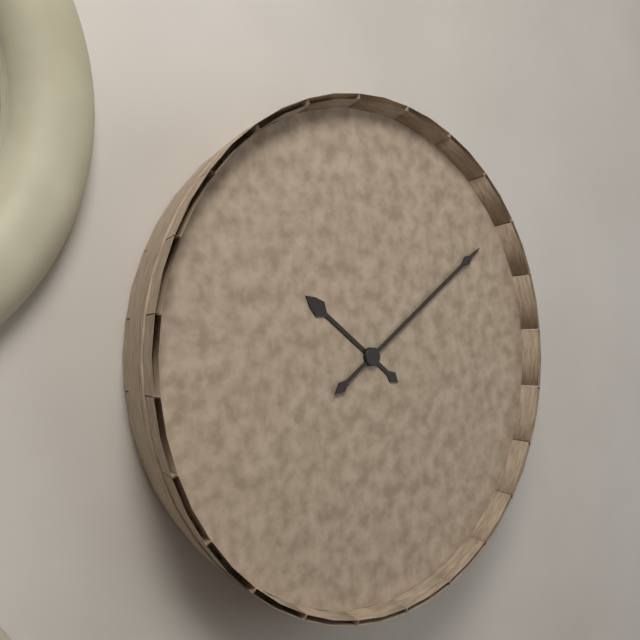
10:09
